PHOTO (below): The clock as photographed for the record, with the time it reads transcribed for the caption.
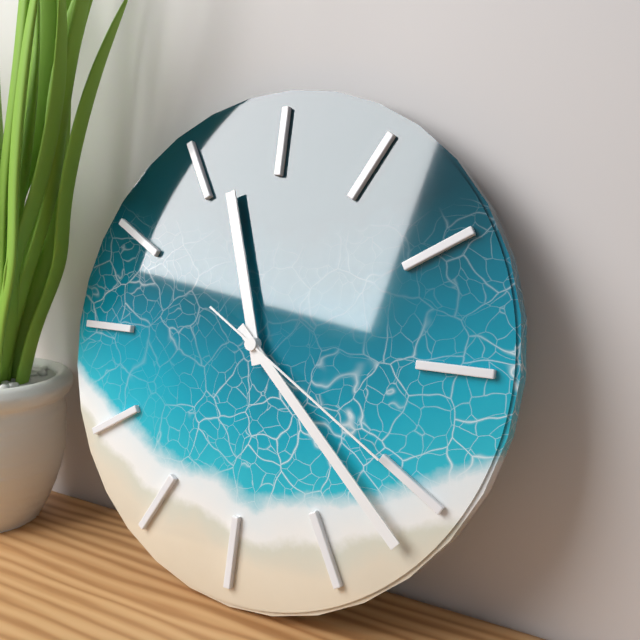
11:22:20
